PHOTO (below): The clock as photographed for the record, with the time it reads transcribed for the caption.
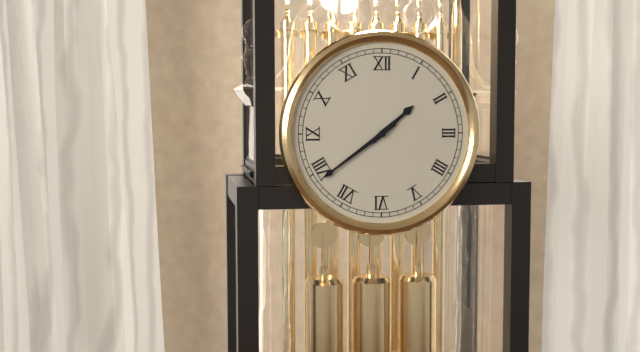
1:39
